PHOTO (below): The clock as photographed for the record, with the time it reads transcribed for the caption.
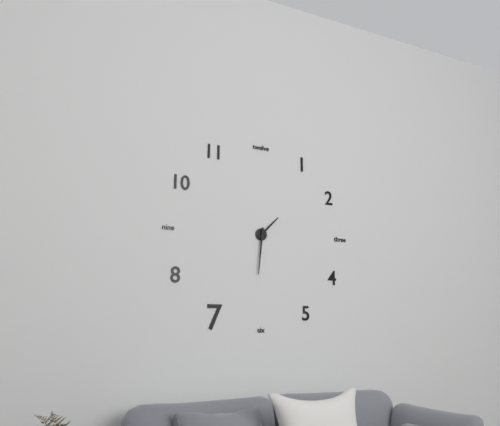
1:31
